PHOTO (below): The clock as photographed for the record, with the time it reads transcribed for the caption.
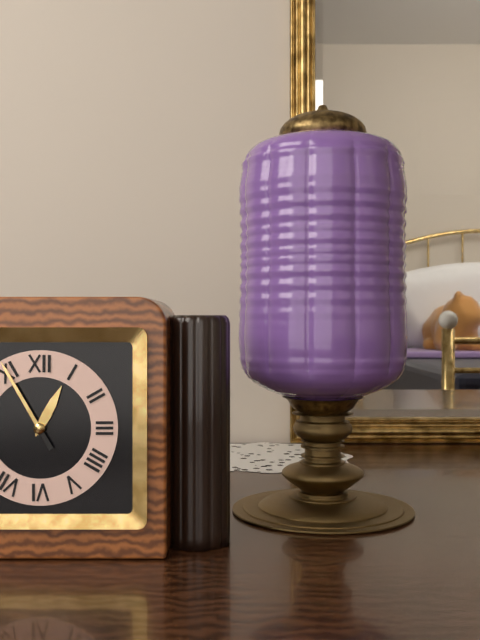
12:55
